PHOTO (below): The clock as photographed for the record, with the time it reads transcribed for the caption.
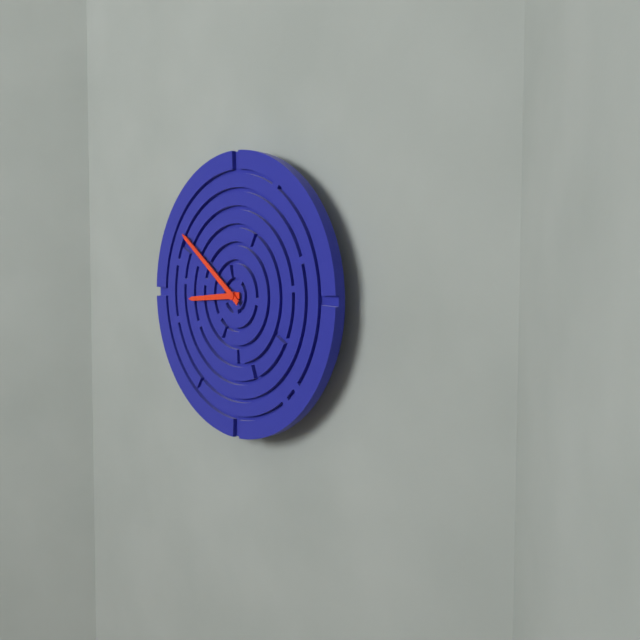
8:51
